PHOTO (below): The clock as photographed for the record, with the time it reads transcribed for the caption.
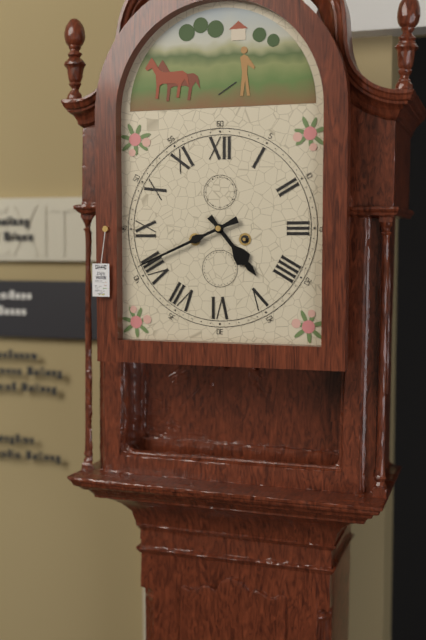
4:41
